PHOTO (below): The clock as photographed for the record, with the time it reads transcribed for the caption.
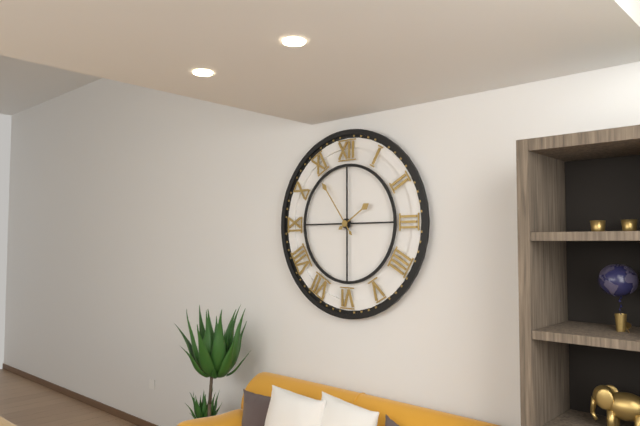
1:54
